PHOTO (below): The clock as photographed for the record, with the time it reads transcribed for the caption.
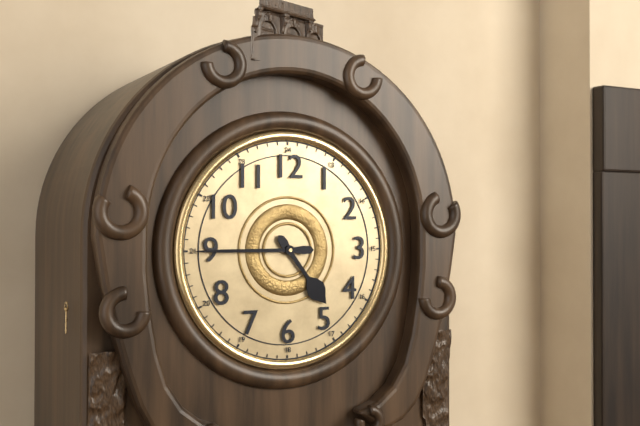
4:45
